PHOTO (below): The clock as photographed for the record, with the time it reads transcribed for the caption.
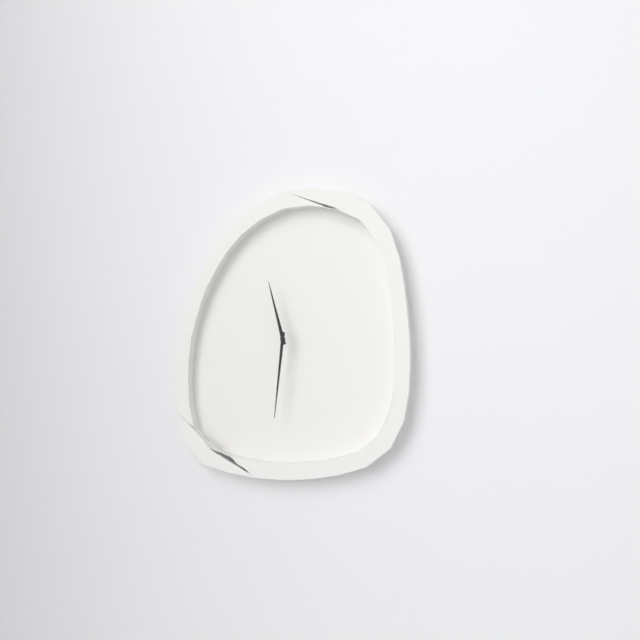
11:31
